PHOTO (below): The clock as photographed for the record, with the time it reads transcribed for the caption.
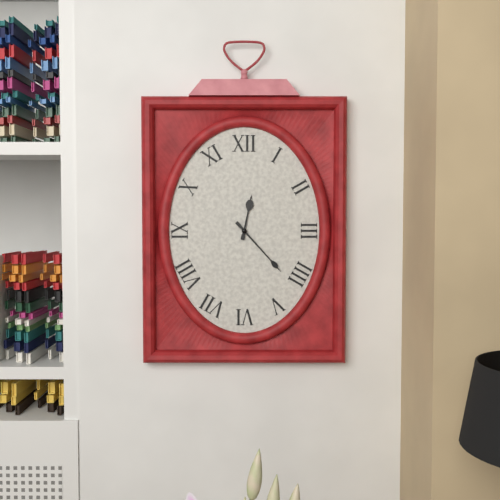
12:23
